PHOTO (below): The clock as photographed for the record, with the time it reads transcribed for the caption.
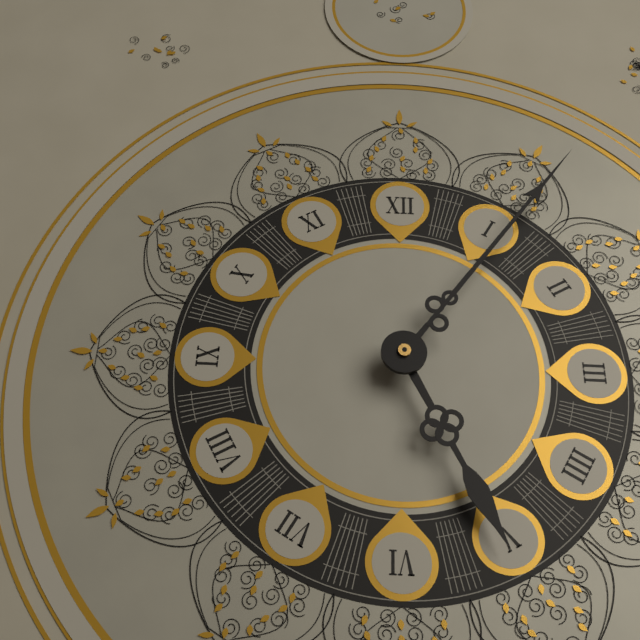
5:06
